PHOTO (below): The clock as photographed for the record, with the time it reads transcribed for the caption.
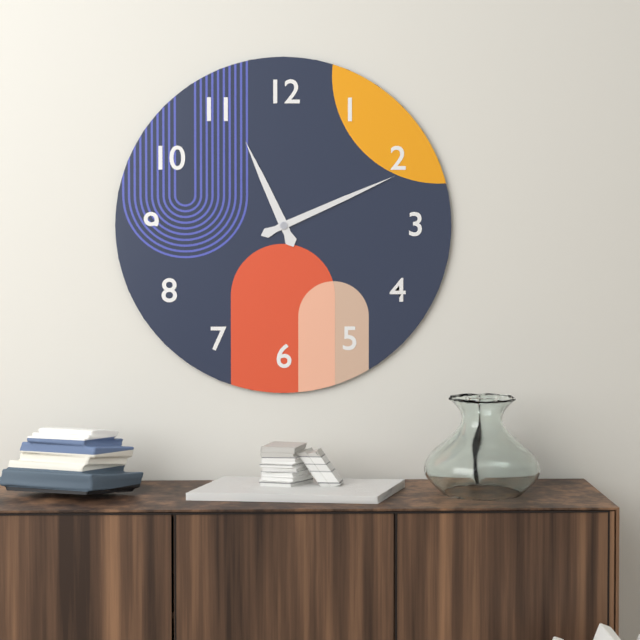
11:11
